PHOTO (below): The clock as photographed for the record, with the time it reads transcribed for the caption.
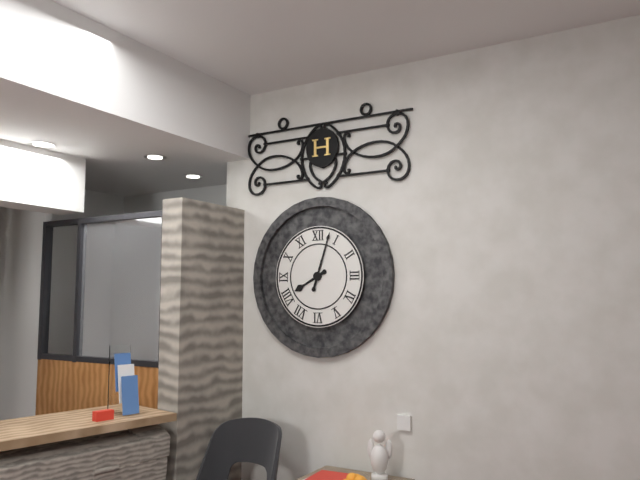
8:03
